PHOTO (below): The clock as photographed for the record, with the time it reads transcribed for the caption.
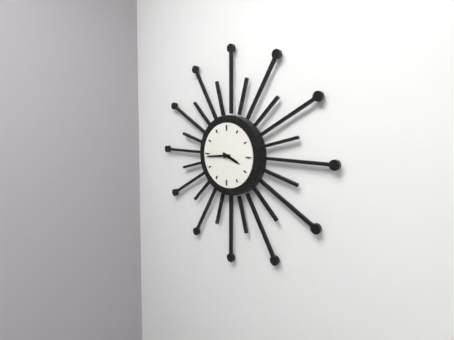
3:44
